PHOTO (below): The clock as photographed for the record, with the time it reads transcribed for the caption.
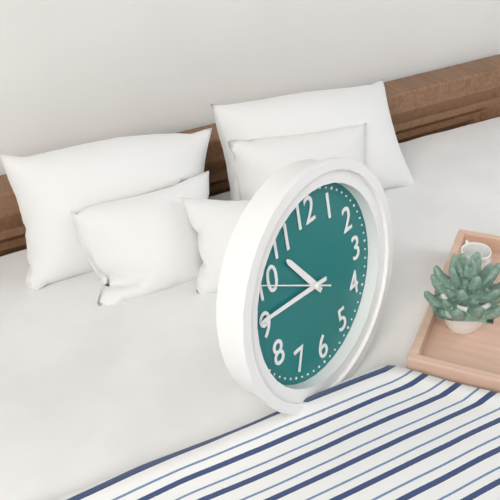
10:46:50
